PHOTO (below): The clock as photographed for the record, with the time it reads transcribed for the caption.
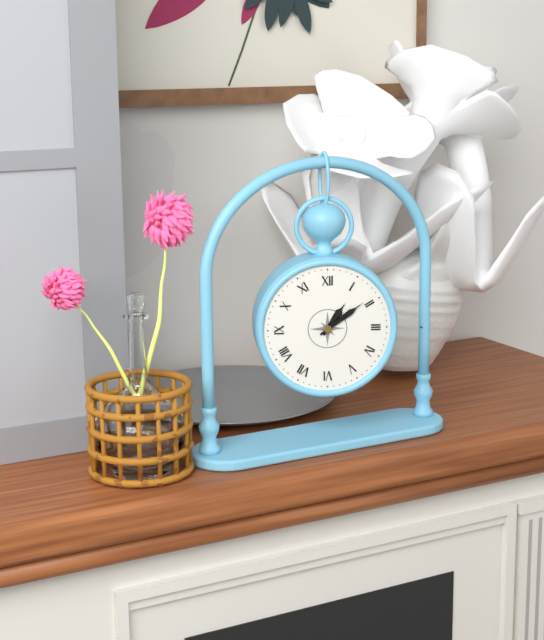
1:09
